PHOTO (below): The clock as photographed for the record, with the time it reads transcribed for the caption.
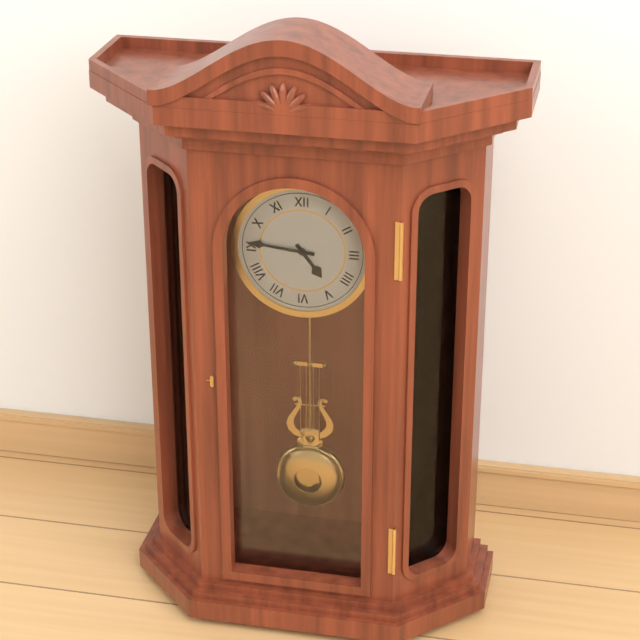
4:46
